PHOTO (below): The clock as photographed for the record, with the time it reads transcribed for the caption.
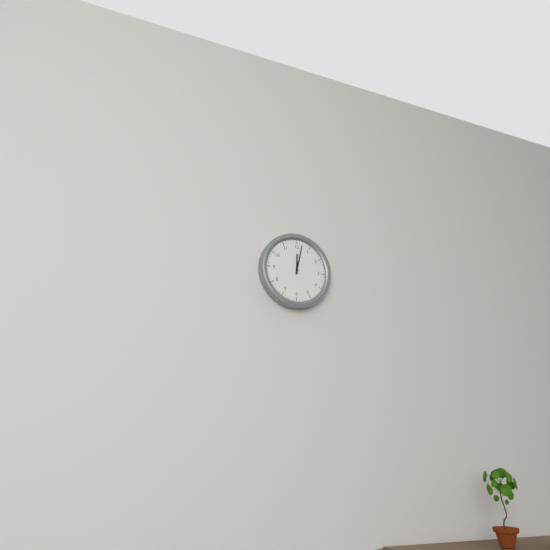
12:02
